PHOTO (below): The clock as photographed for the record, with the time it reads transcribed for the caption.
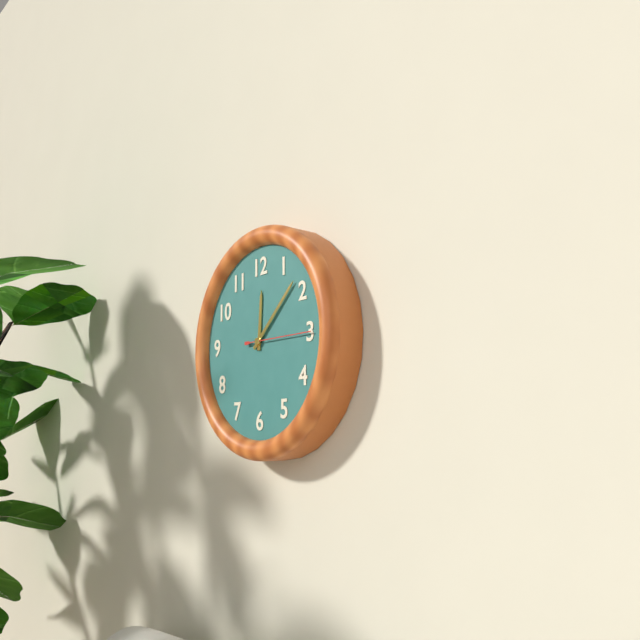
12:08:15
